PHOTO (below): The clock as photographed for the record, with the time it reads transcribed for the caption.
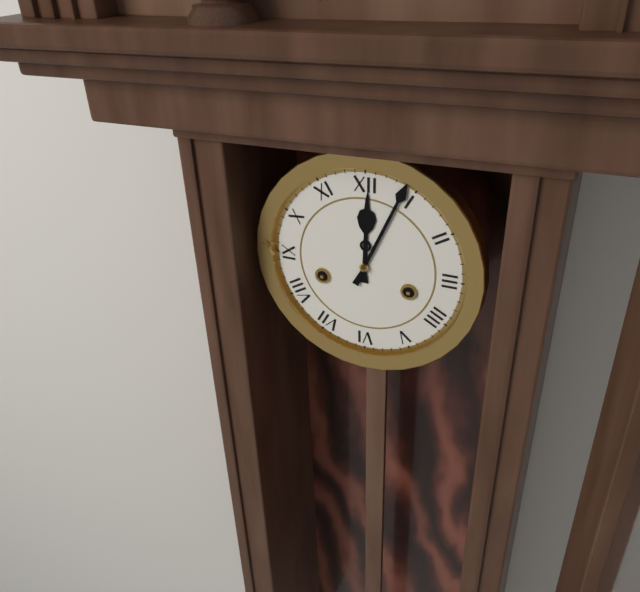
12:04
